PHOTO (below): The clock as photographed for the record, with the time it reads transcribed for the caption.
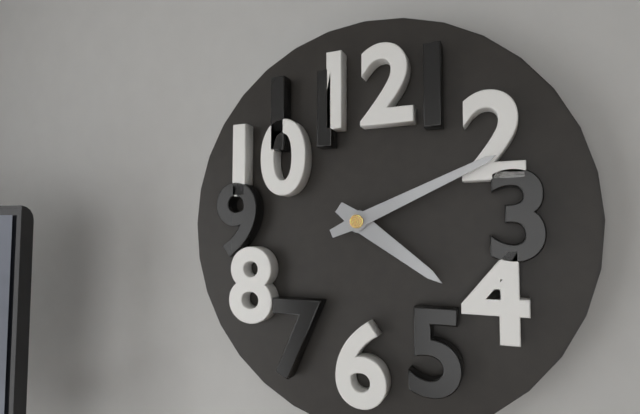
4:11
